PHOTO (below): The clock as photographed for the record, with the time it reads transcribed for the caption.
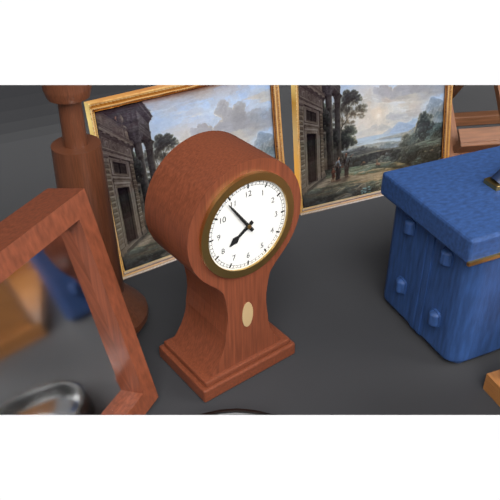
7:54
